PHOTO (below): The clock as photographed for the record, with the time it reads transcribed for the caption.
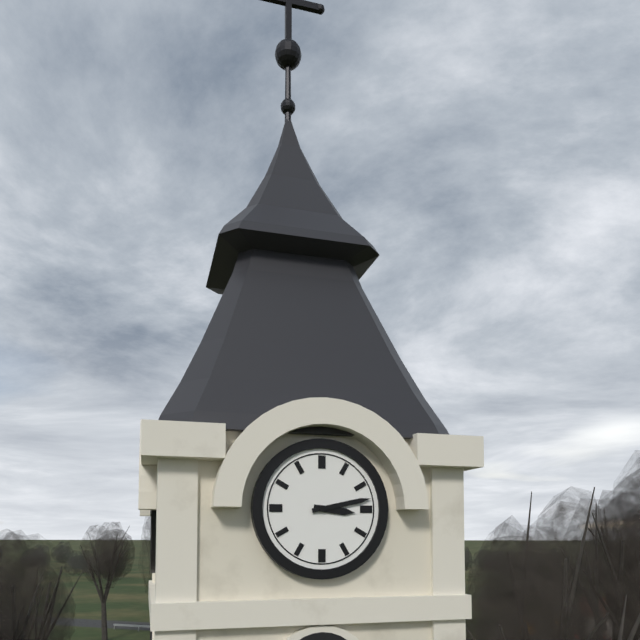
3:13
